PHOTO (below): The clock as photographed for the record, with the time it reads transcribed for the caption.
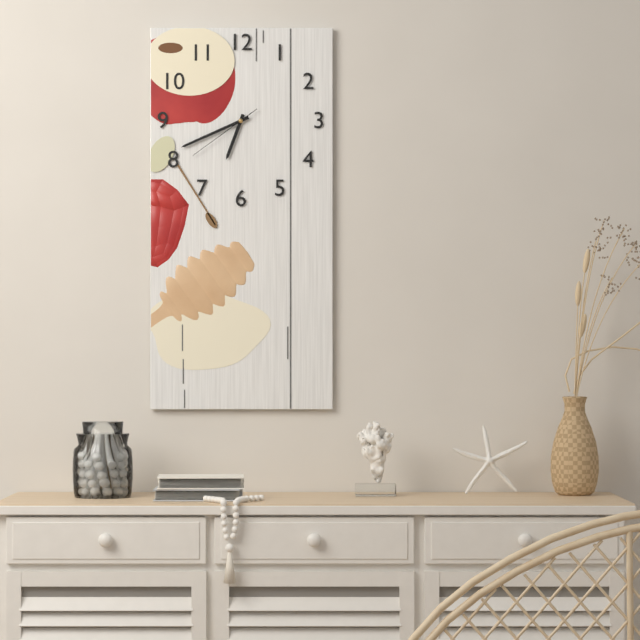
6:41:39
